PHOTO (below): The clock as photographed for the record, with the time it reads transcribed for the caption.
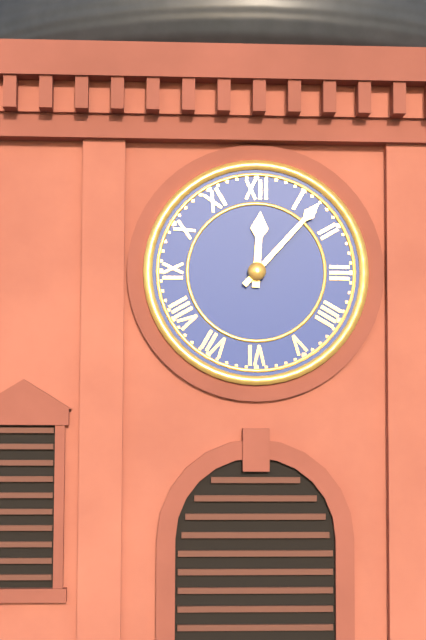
12:07
